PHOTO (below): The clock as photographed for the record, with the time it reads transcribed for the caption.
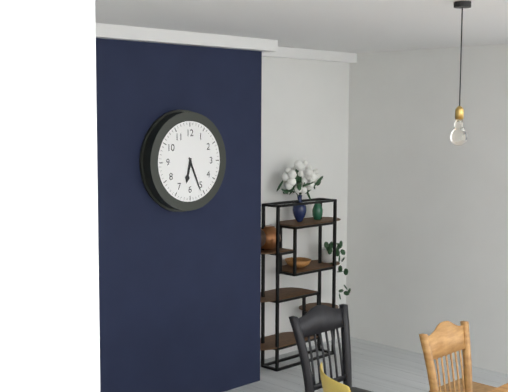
6:26
